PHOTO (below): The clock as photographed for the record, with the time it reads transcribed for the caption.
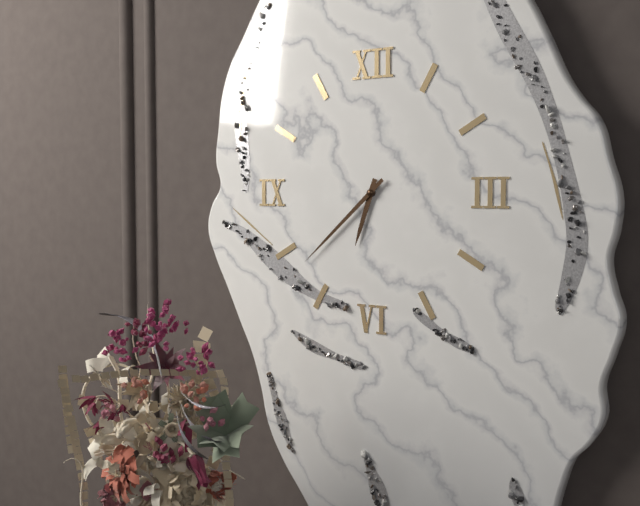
6:38
